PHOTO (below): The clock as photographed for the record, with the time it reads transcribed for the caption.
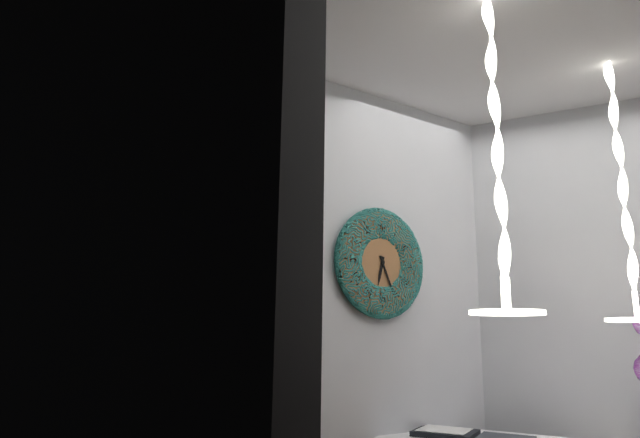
6:26
